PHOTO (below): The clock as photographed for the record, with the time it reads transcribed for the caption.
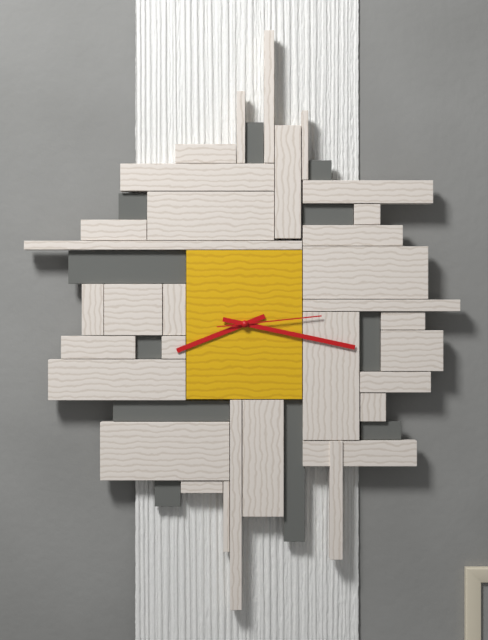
8:17:14
